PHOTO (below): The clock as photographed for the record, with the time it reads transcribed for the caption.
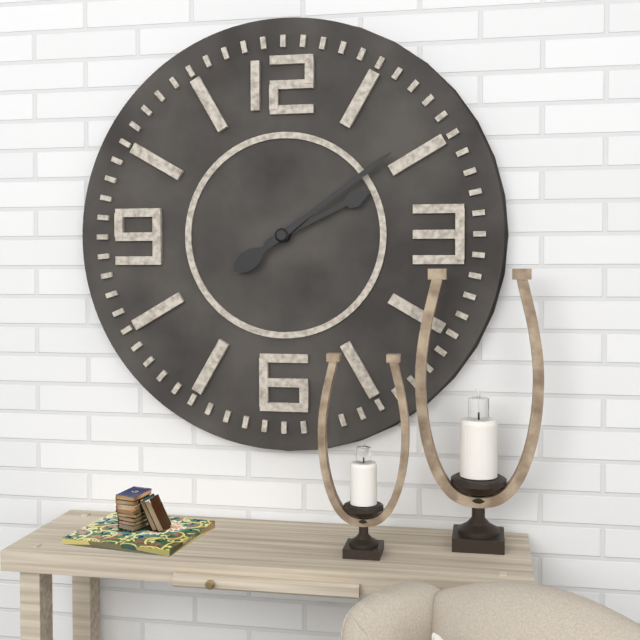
2:09
